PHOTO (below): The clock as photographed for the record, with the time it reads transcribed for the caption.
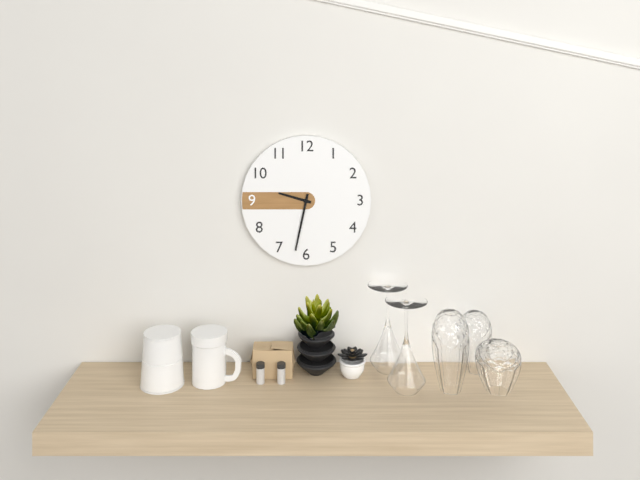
9:32
